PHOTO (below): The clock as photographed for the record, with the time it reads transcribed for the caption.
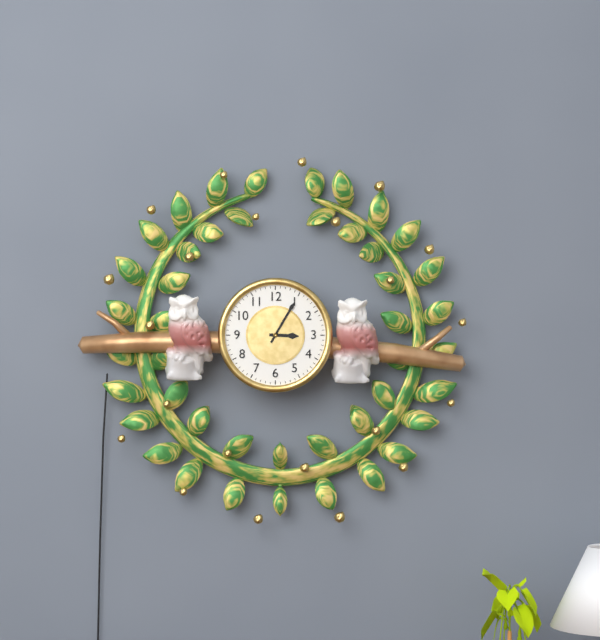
3:05
